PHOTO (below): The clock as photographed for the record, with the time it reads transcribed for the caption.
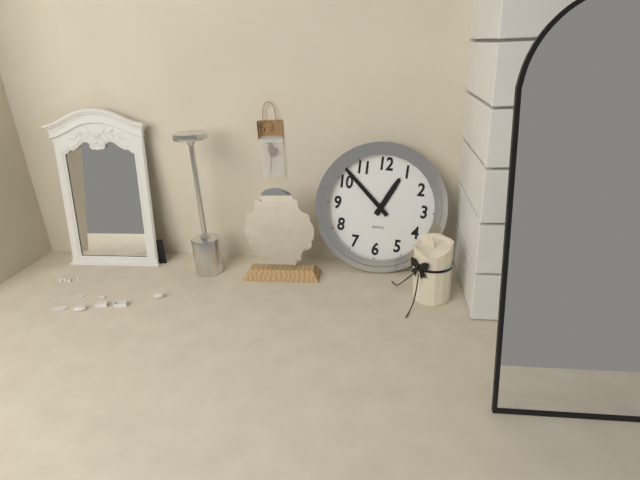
12:52
